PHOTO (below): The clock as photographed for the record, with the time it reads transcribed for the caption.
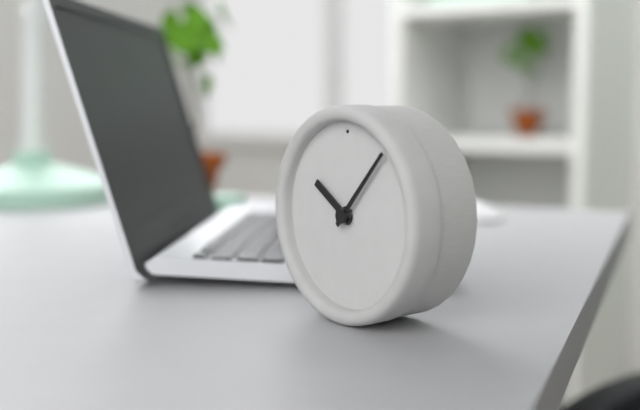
10:07
